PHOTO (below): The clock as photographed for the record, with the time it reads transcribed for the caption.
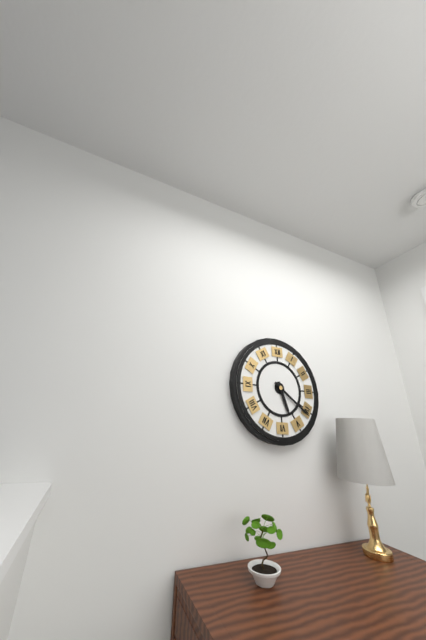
5:21
